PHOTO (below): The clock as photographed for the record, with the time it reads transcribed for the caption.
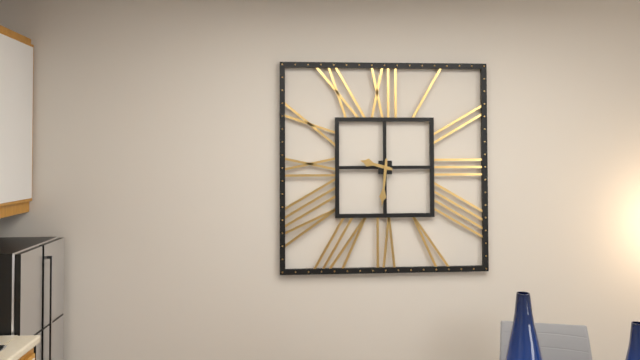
9:31
